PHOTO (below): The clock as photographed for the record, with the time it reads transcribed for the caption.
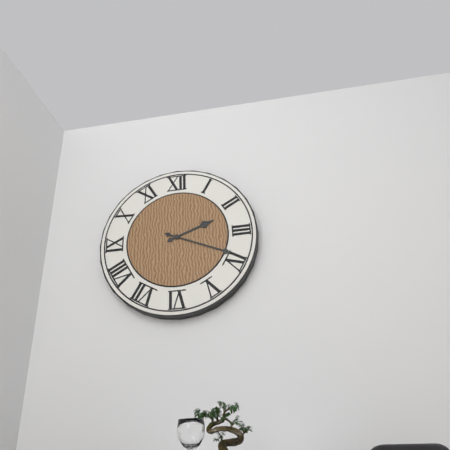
2:19
